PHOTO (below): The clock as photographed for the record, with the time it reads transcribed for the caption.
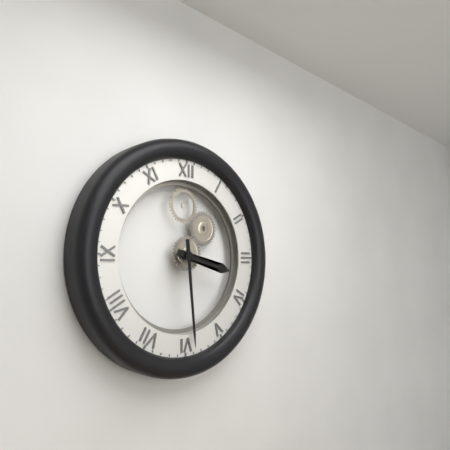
3:29
